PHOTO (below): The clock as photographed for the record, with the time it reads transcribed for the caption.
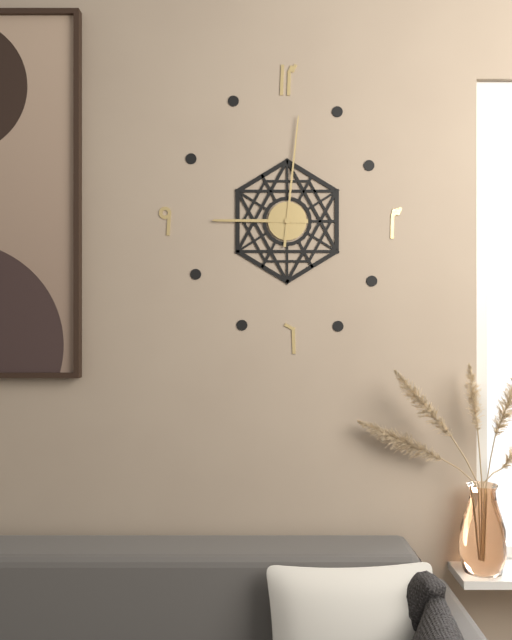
9:01
